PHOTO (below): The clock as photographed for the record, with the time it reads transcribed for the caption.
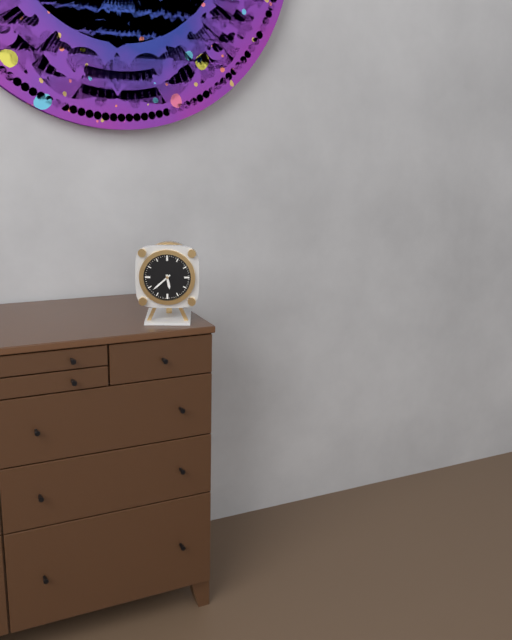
5:38
